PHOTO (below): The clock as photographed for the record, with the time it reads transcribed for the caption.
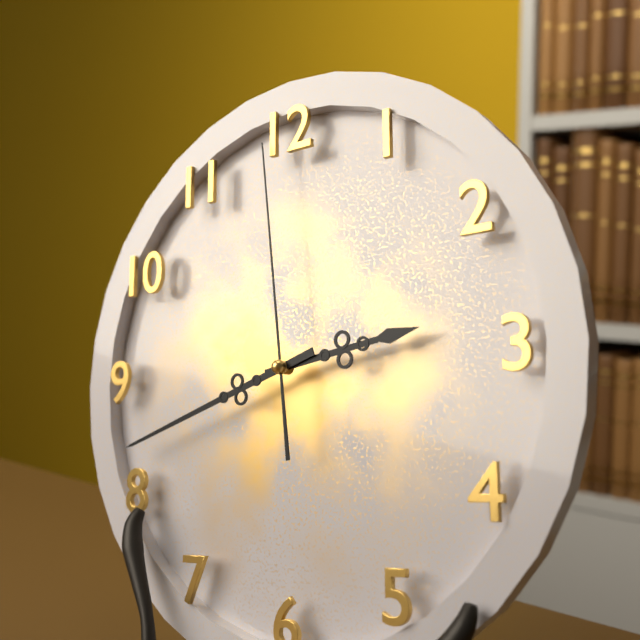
2:42:59
